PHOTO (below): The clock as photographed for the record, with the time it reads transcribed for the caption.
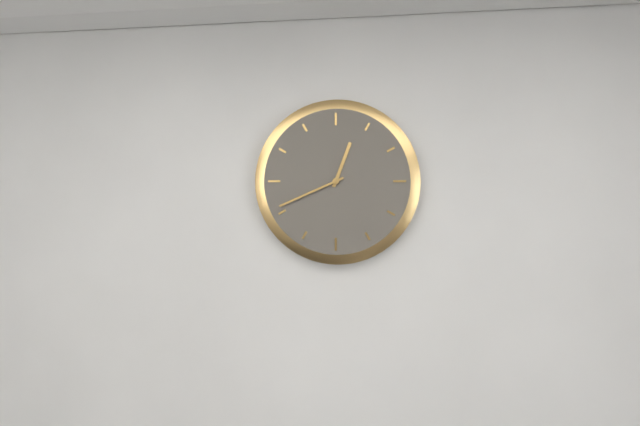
12:41
